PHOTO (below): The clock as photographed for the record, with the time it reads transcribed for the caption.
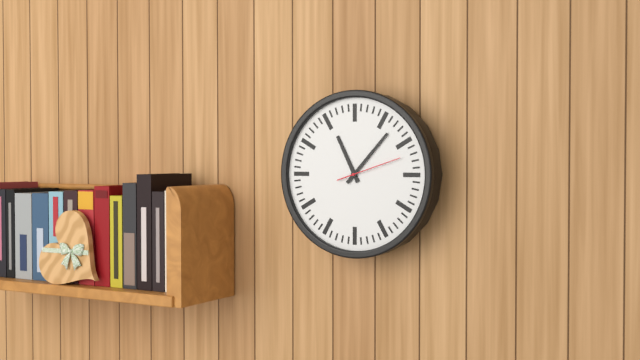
11:07:12
